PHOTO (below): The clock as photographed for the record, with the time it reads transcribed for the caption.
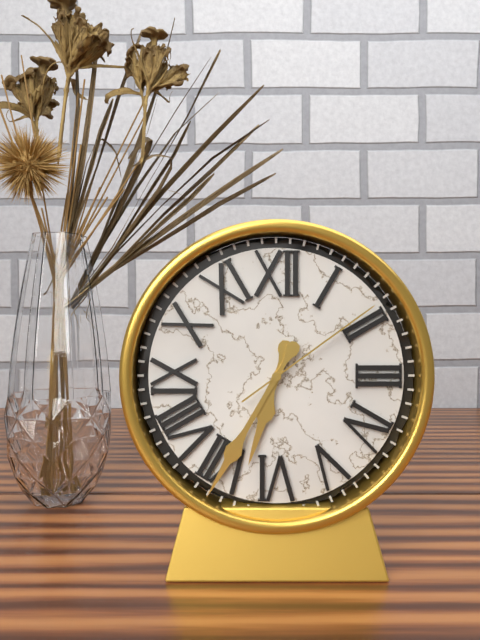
6:35:09
